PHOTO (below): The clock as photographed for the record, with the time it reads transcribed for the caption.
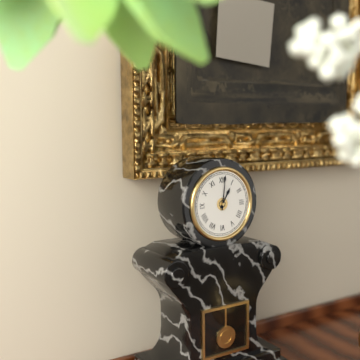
1:01
